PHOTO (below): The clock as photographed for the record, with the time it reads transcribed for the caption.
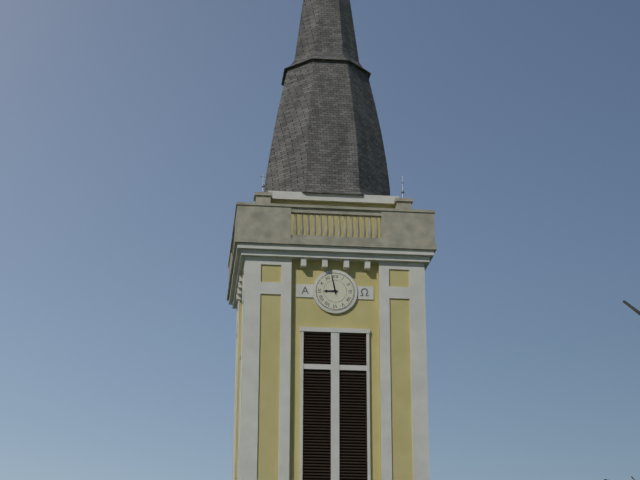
8:58
